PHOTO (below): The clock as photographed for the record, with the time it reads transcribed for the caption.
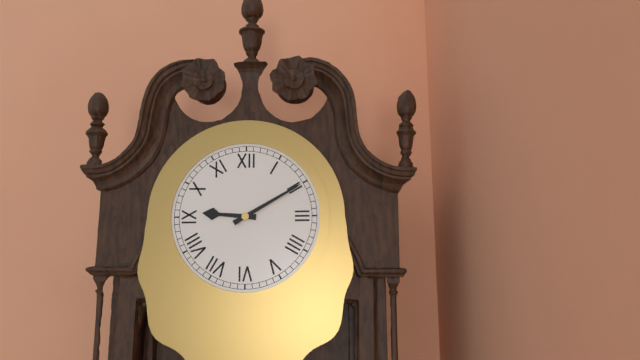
9:10
